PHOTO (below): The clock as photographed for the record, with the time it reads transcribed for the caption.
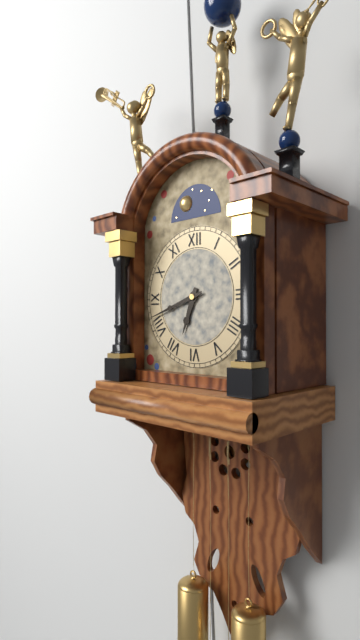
6:42
